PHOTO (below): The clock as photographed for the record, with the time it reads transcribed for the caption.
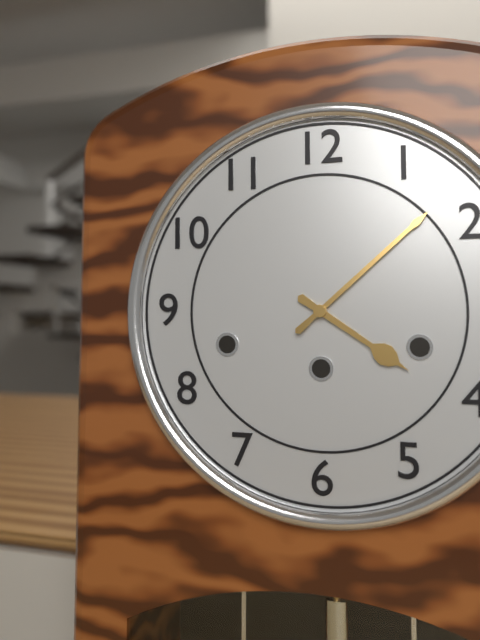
4:08
